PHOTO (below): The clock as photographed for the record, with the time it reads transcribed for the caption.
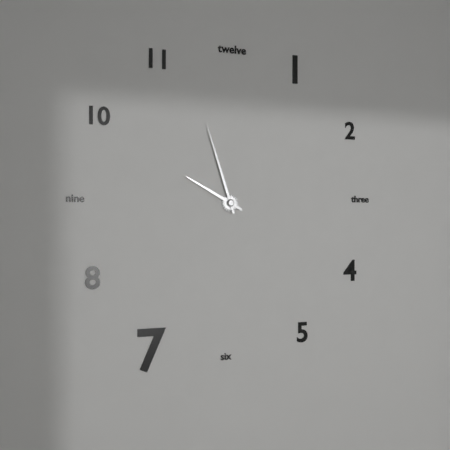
9:57
